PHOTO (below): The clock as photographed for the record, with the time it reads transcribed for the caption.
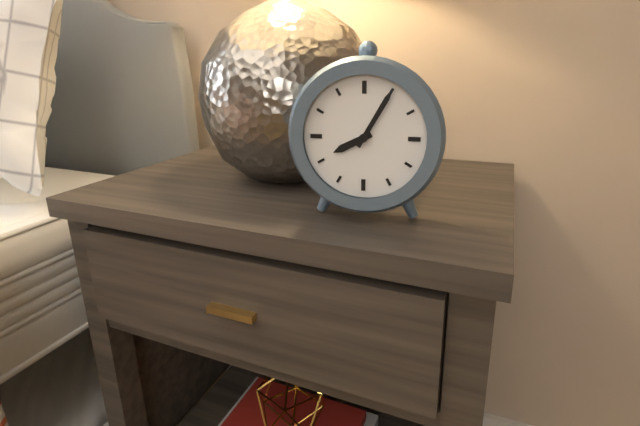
8:05
